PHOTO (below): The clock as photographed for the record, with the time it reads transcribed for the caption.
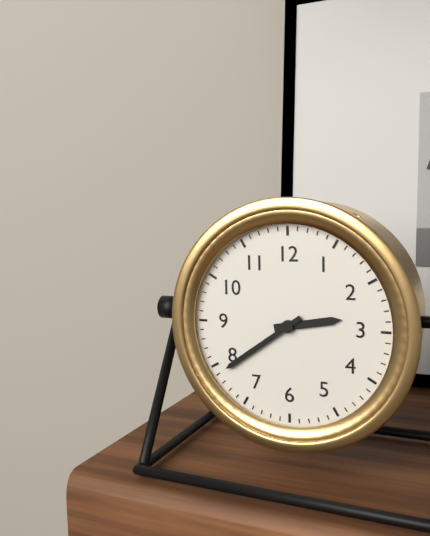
2:39
